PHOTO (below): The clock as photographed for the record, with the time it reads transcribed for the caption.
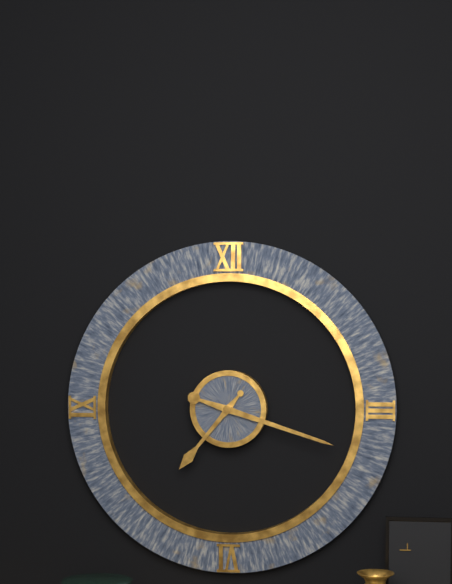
7:18
